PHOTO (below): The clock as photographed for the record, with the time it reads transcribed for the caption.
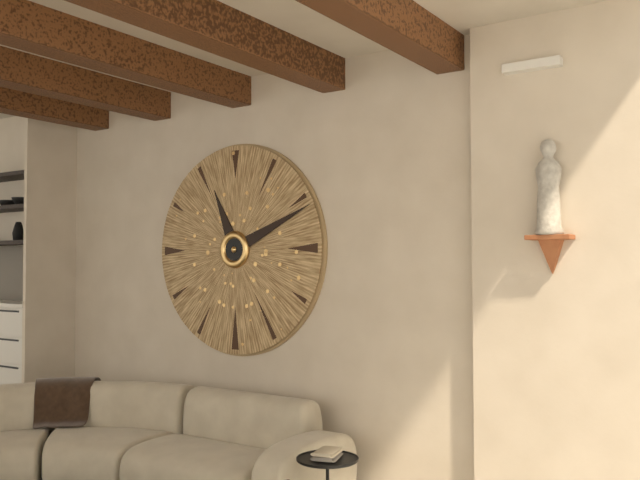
11:11
